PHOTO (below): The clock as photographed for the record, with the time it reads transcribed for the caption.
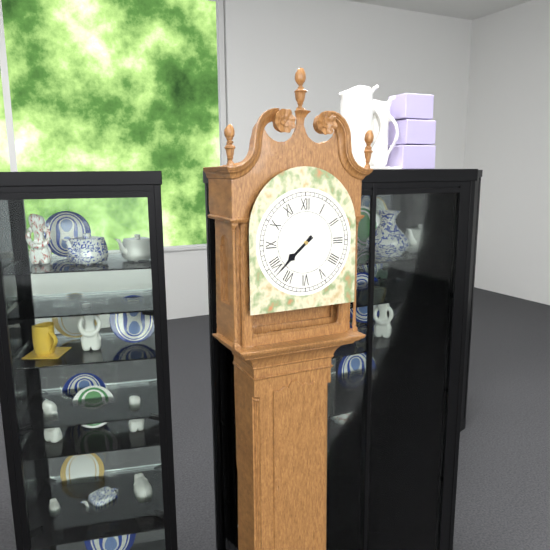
7:38
